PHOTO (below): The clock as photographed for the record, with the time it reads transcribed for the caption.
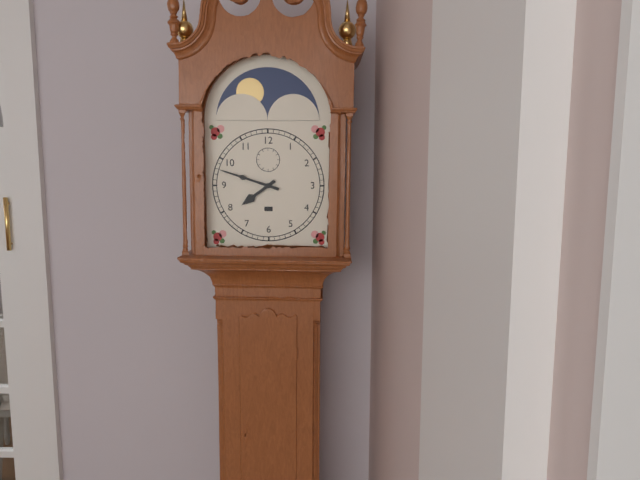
7:48
